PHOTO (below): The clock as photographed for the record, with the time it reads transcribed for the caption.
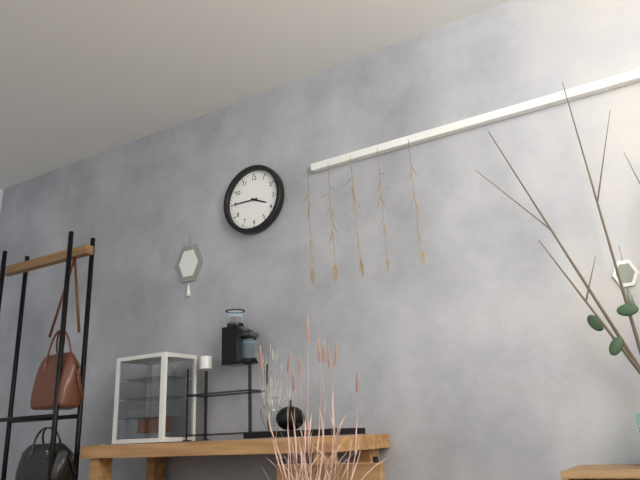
3:45
